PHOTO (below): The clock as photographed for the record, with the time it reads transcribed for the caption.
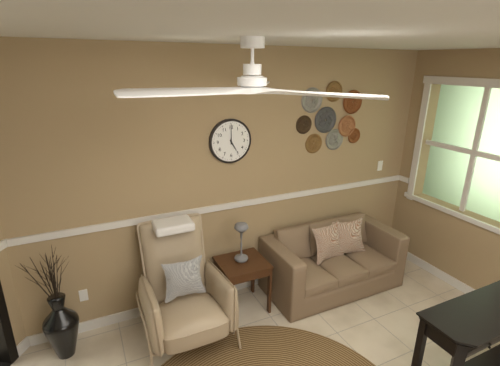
5:00
